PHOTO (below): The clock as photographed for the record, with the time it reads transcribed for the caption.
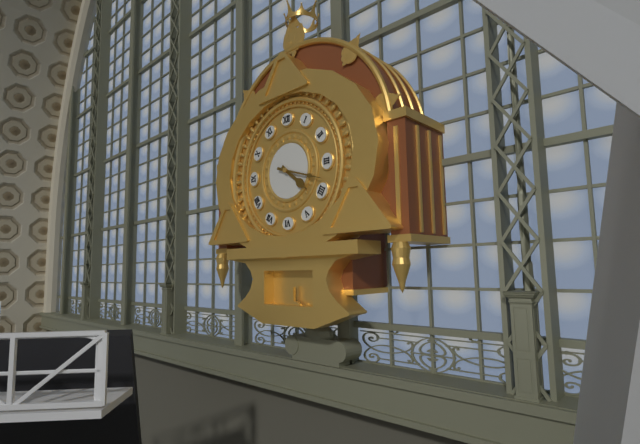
4:18
